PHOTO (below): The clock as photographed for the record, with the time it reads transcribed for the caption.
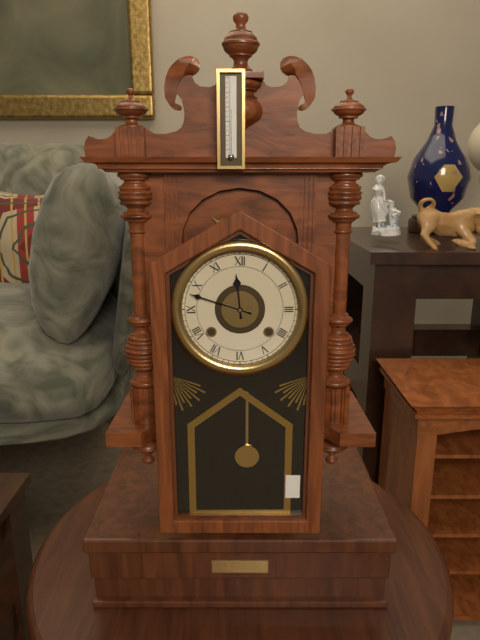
11:48
